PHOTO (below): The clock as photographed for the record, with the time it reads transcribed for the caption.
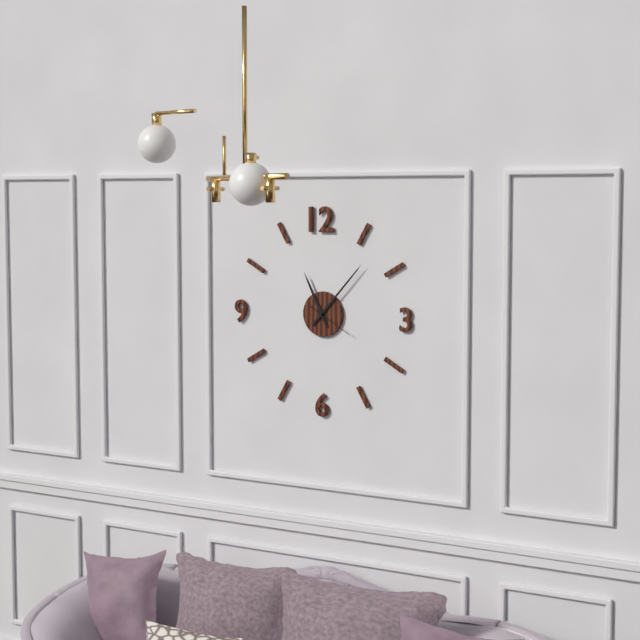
11:07
